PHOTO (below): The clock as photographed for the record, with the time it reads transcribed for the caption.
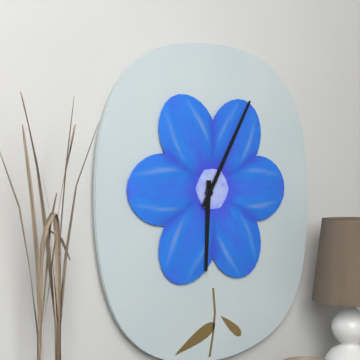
6:05
